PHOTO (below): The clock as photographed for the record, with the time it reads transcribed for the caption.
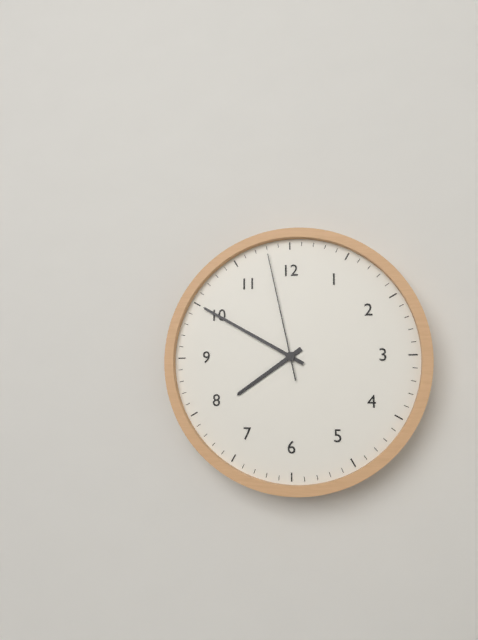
7:50:58
